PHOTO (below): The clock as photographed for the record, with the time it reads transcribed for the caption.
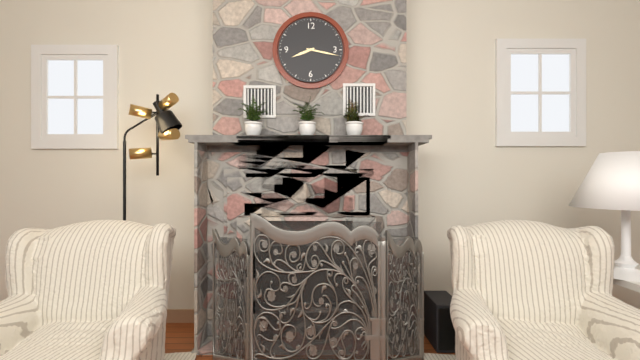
8:17
